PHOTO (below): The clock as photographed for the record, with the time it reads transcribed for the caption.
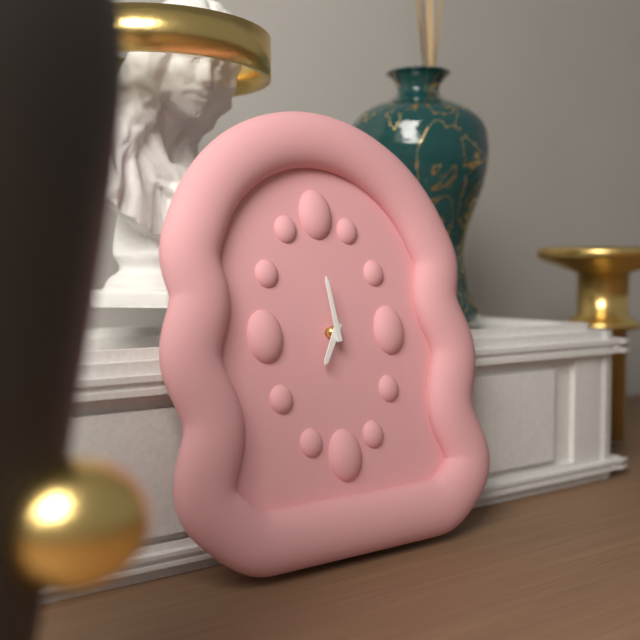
6:59
